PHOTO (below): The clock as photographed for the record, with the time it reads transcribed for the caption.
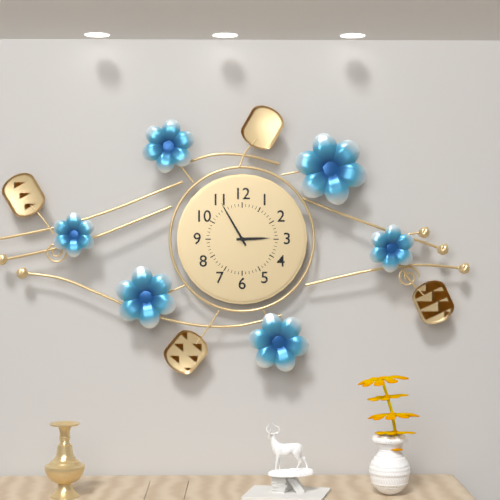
2:55
